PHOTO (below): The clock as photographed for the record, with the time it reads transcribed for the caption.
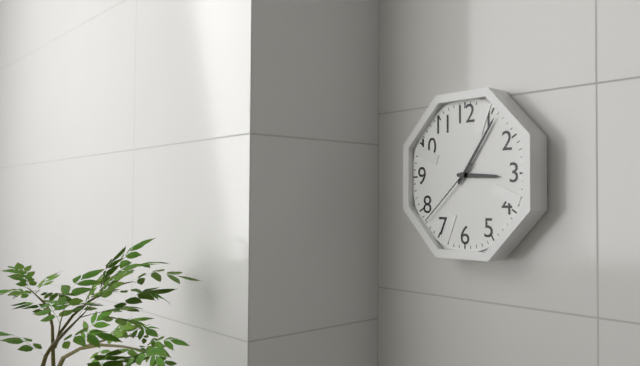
3:06:38
